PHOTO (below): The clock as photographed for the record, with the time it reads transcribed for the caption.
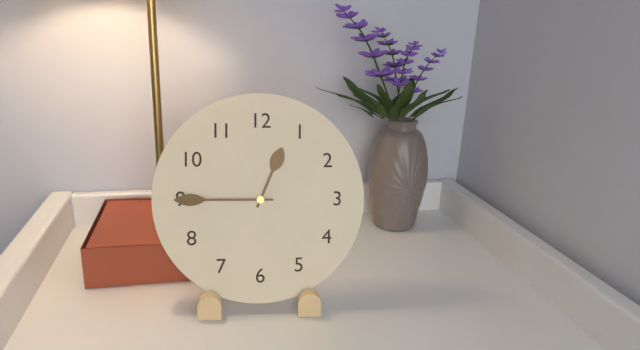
12:45
